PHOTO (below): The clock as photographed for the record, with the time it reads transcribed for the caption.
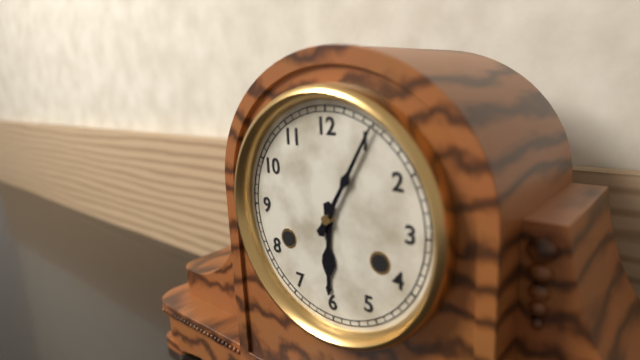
6:05
